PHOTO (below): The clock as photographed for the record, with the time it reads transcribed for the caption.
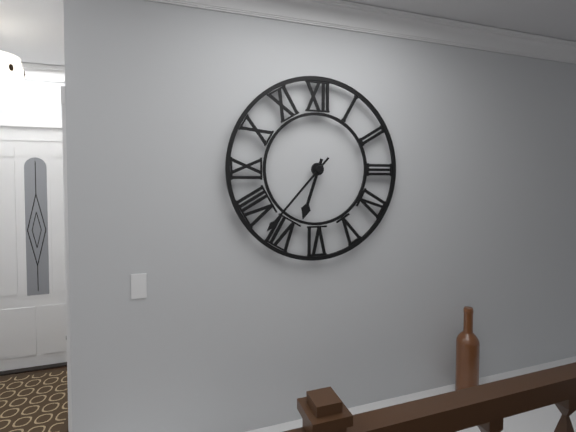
6:37
